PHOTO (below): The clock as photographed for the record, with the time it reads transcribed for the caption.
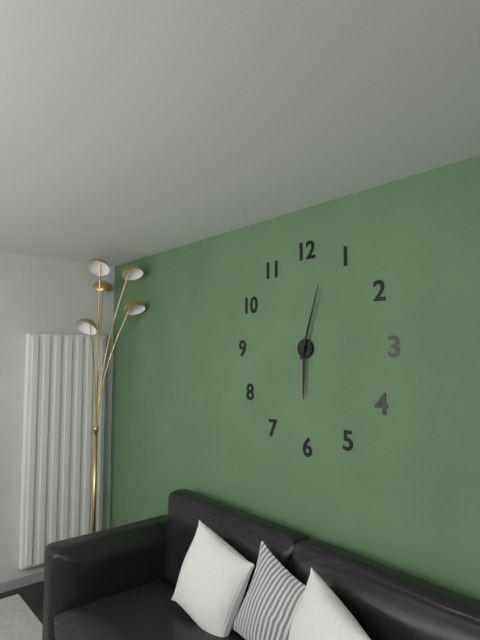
6:03
